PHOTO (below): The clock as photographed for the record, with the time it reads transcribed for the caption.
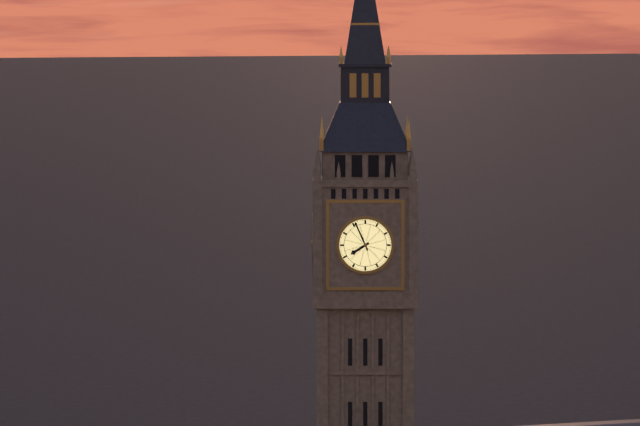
7:56
